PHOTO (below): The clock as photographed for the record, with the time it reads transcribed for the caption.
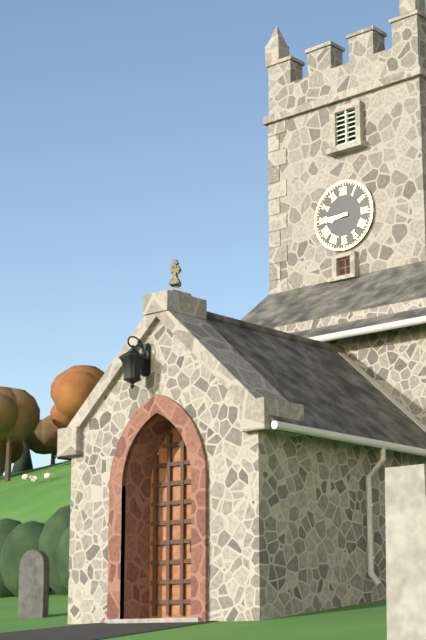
8:45
